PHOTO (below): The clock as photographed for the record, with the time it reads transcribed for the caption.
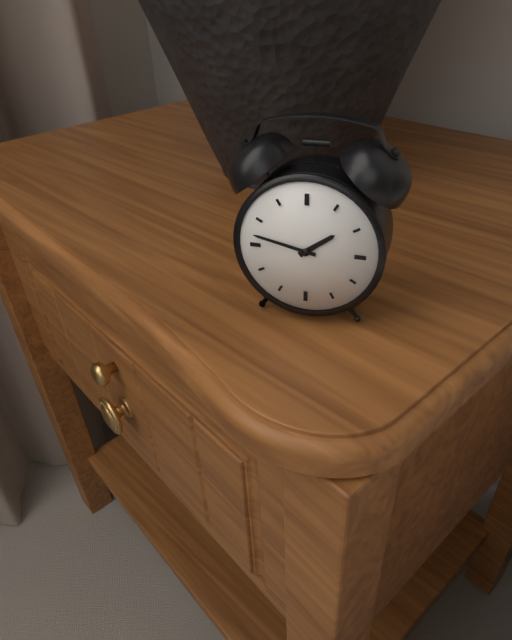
1:47
